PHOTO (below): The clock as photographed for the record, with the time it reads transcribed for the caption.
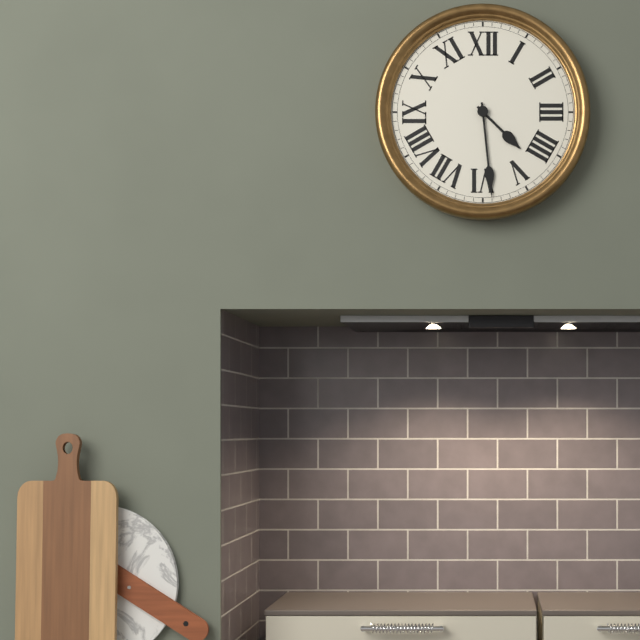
4:29
